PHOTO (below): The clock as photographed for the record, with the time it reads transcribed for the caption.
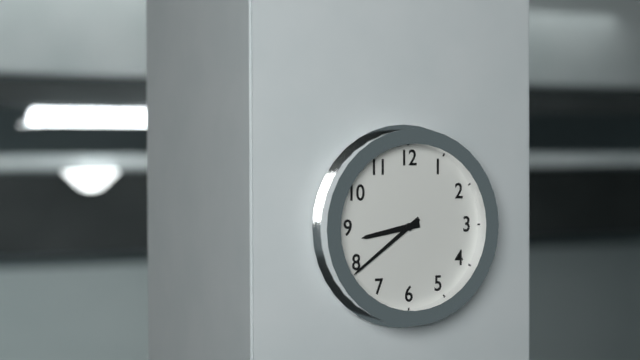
8:39
